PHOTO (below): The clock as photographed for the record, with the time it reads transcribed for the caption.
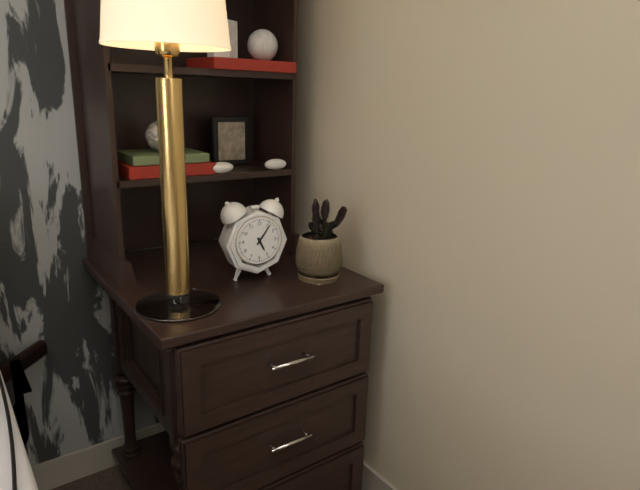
5:06
